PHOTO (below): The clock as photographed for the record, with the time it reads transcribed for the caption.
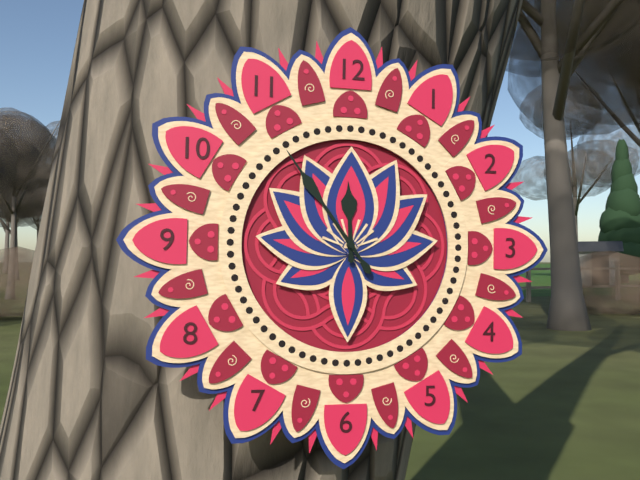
11:54
